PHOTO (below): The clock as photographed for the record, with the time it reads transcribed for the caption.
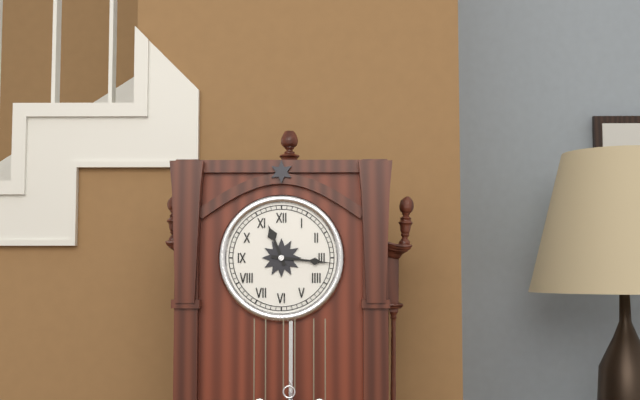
11:16
